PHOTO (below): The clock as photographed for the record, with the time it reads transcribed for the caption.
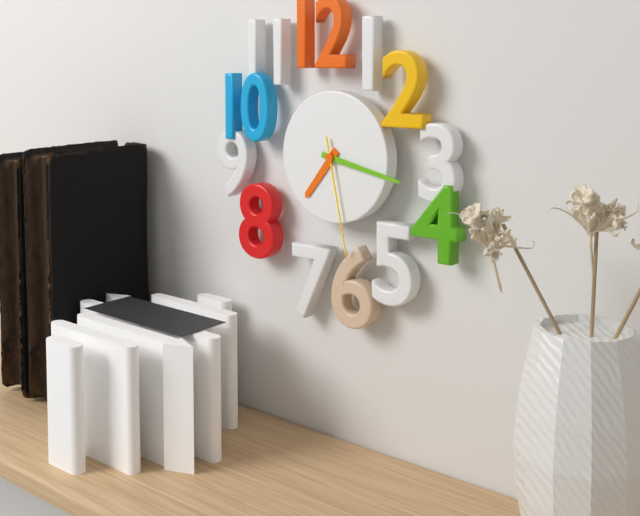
7:17:28
